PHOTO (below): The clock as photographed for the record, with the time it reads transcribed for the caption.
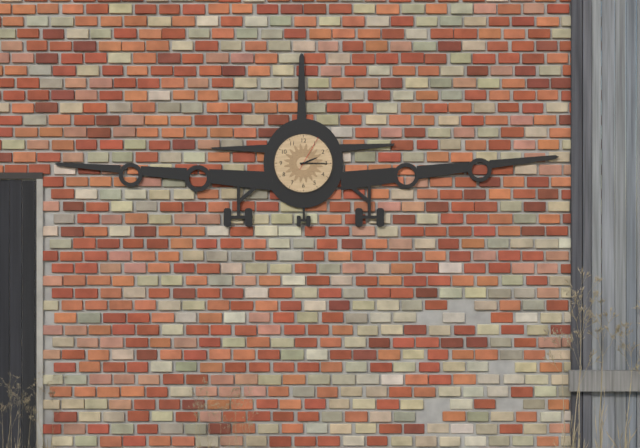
2:15
